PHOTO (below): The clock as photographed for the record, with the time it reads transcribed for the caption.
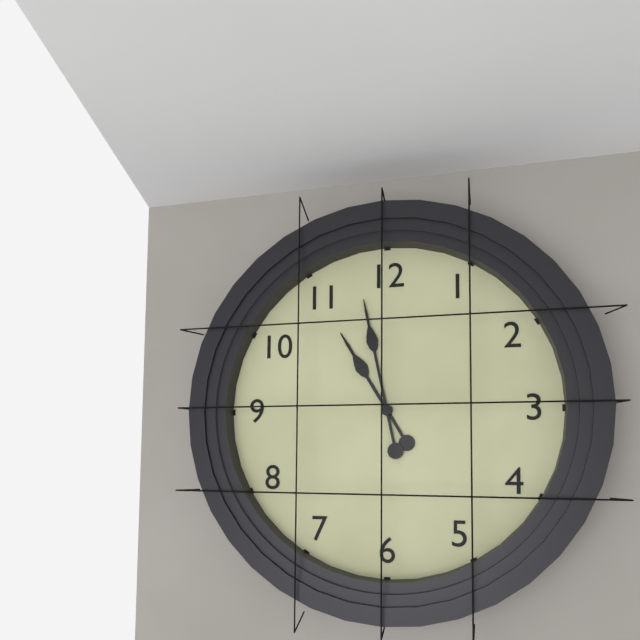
10:58
